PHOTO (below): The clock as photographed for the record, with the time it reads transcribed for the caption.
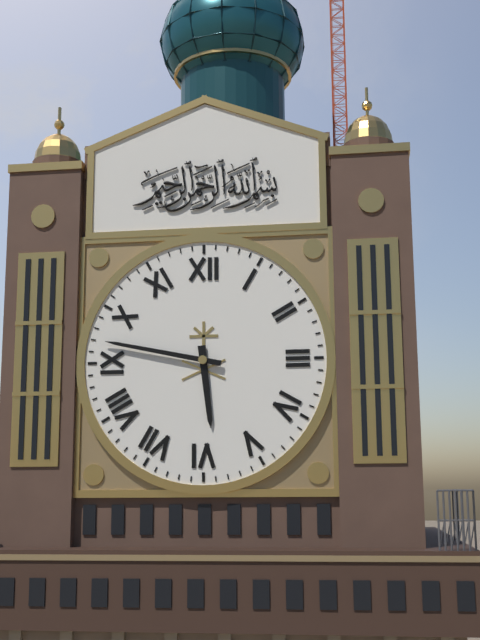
5:47
